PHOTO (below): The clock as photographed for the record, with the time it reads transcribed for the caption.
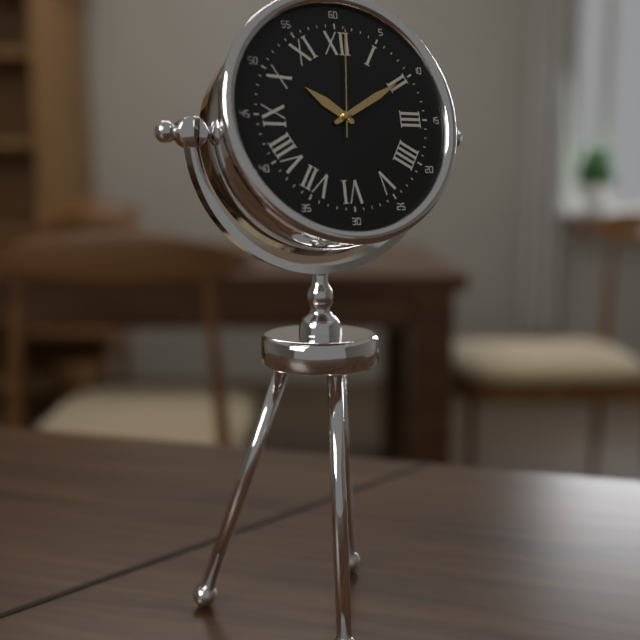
10:10:01
